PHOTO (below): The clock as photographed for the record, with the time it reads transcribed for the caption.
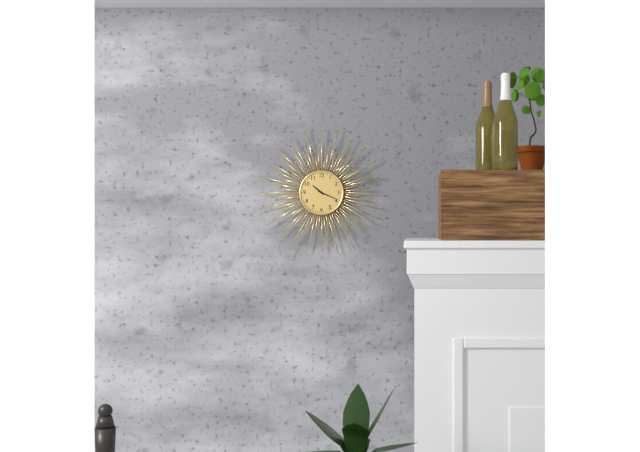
10:19
